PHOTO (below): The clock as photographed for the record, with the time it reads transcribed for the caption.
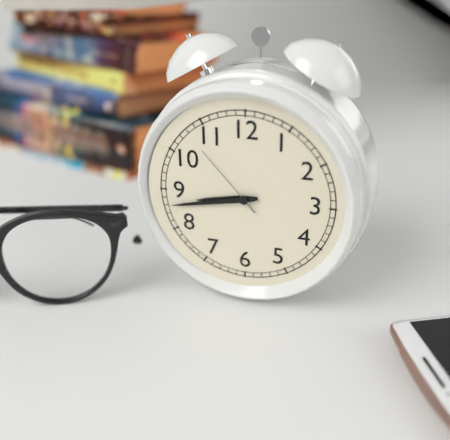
8:43:53
